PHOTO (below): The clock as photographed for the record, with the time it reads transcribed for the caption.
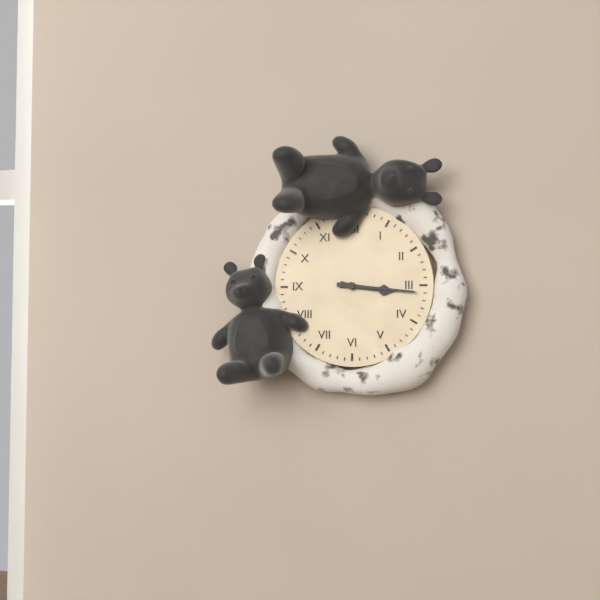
3:16
